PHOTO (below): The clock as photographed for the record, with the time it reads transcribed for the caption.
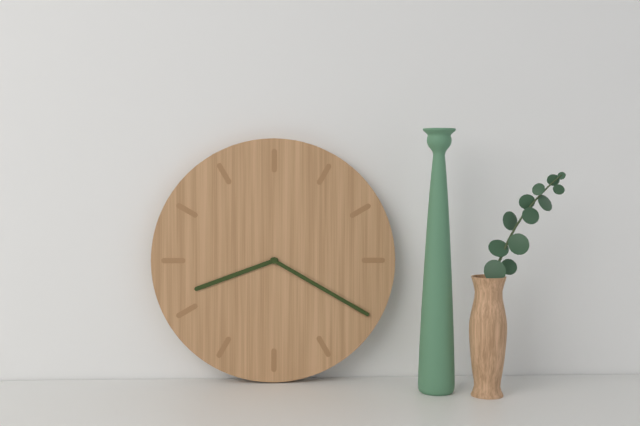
8:20
